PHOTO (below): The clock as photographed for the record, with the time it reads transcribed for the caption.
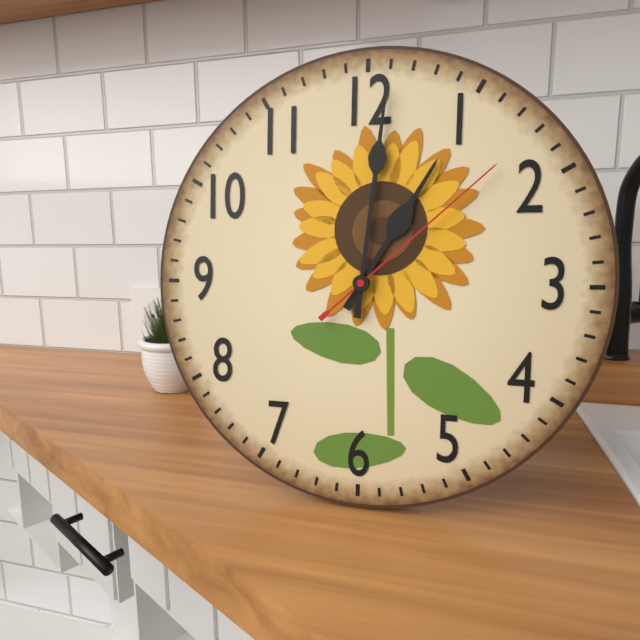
1:01:08
